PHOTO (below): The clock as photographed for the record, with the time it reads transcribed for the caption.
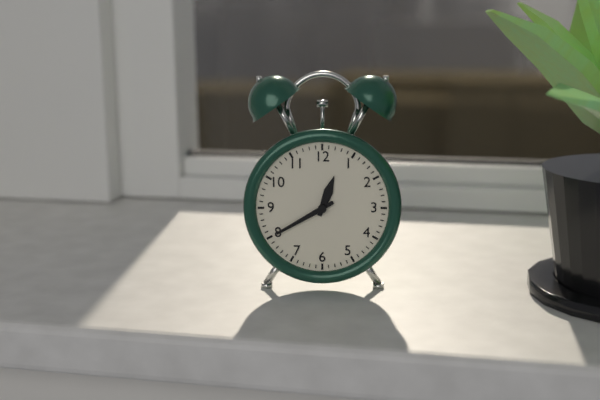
12:40
